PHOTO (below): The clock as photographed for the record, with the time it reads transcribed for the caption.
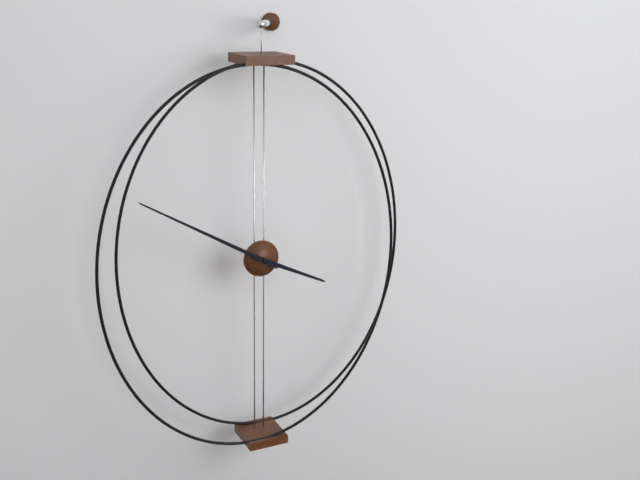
3:50
